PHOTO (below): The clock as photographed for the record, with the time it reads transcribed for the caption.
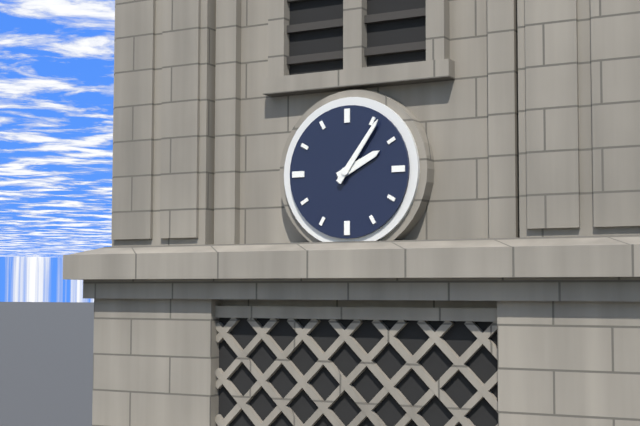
2:06
